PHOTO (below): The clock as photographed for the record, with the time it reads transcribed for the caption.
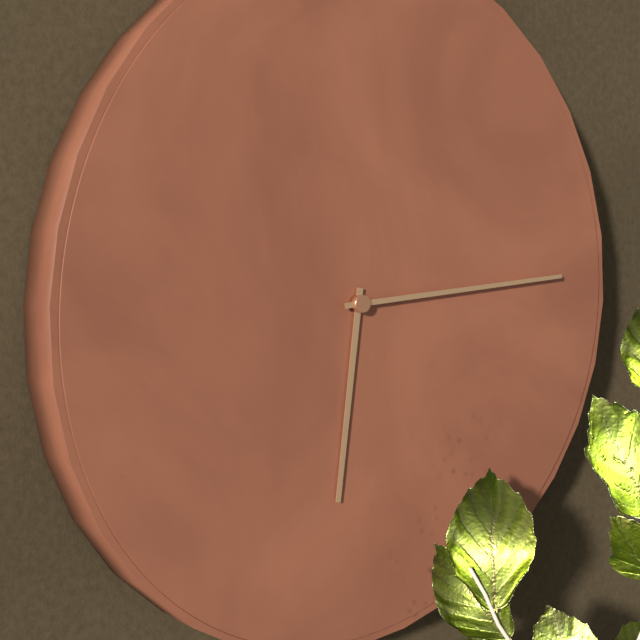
6:14
